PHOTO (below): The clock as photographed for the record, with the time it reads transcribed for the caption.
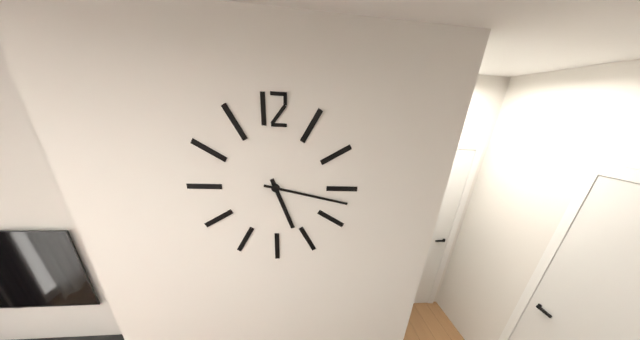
5:17
